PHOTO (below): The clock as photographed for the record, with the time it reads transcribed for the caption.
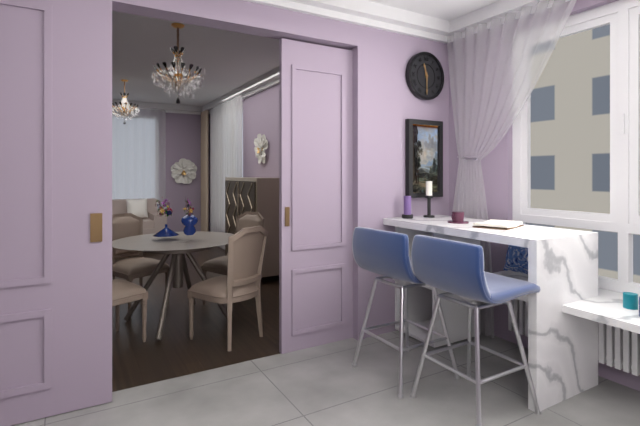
11:30
